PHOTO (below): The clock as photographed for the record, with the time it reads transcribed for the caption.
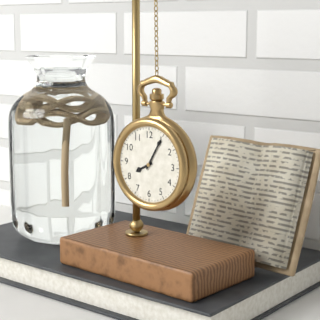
8:05
